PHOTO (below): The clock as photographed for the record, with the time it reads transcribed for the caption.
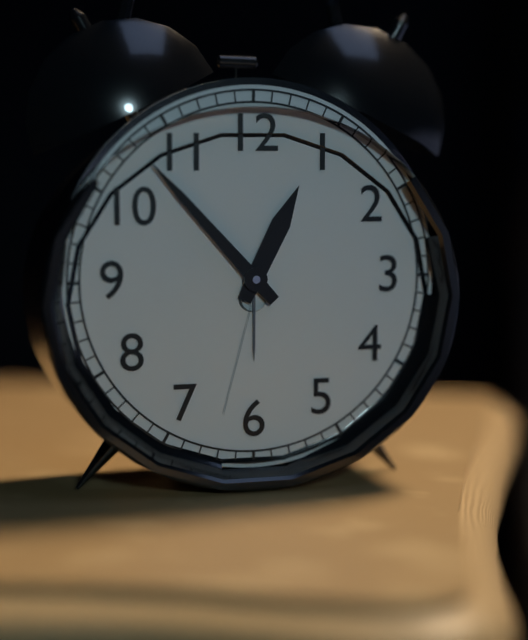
12:53
